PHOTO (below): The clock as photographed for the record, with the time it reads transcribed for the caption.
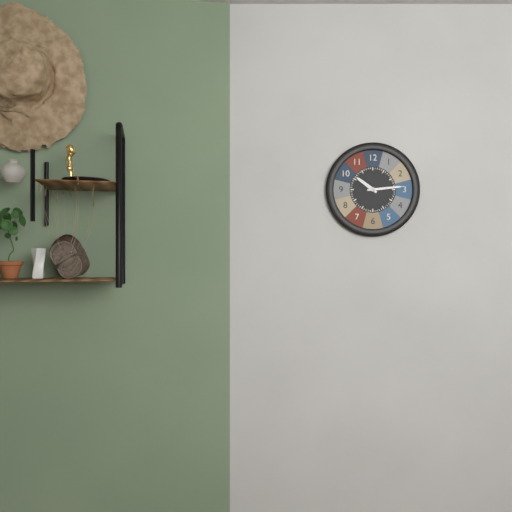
10:14
